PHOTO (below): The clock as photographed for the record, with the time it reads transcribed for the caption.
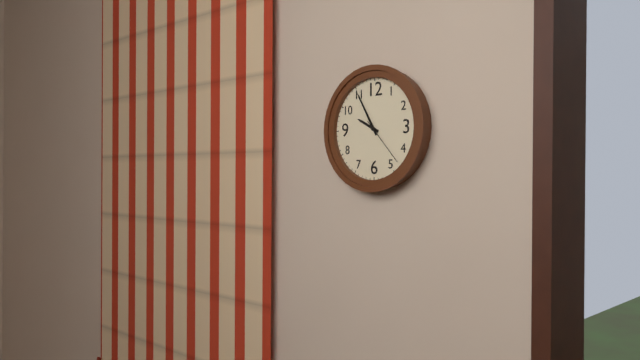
9:55:23
